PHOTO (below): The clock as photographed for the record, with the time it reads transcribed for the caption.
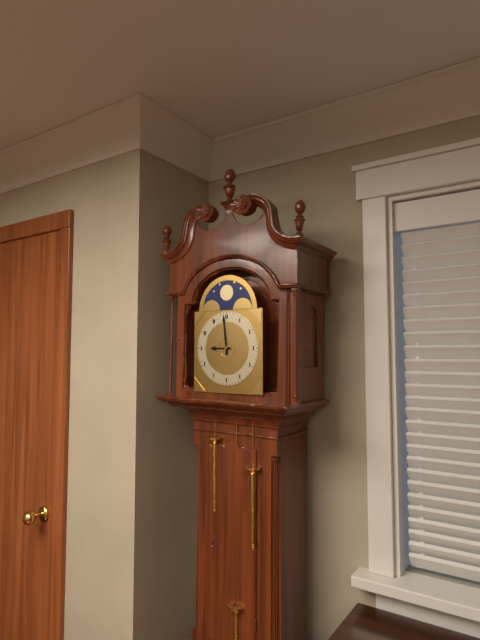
8:59
